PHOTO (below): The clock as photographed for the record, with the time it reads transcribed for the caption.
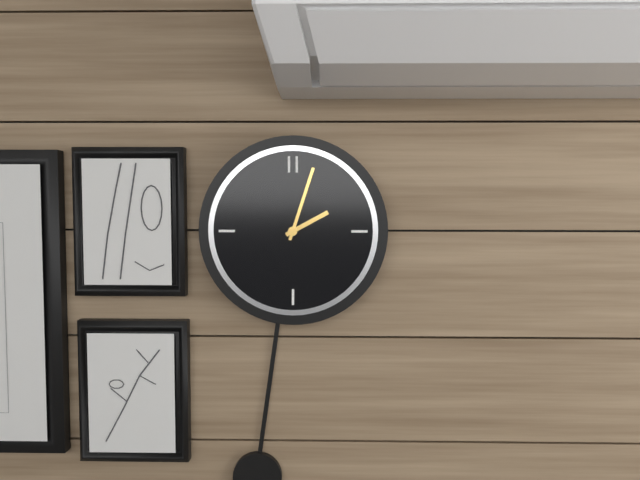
2:03
